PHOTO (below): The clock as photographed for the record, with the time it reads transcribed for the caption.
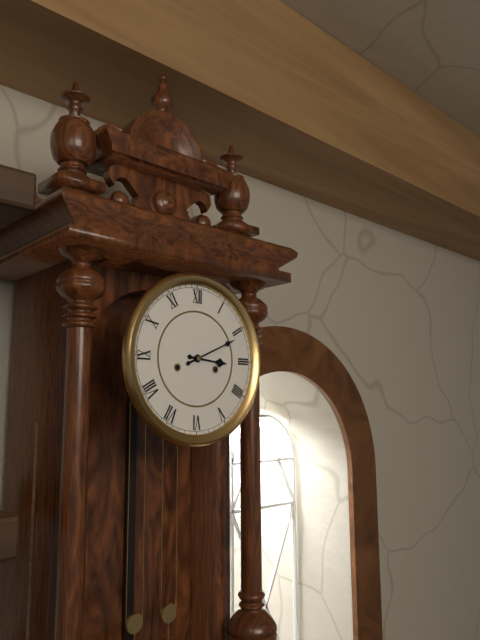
3:11
